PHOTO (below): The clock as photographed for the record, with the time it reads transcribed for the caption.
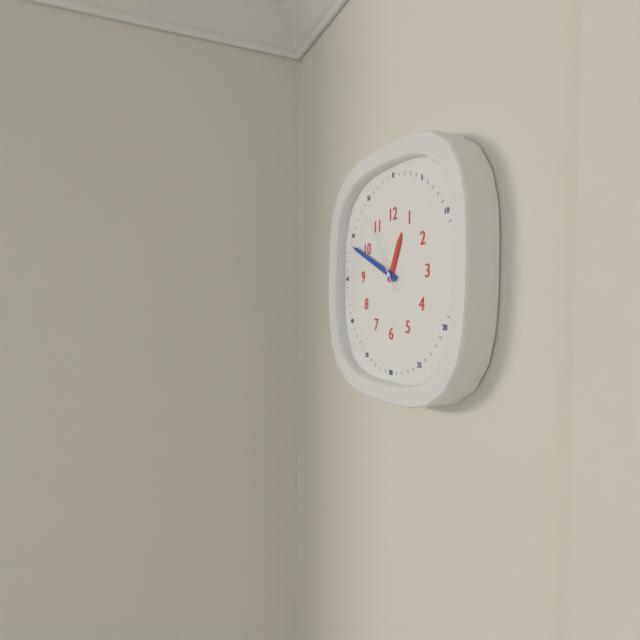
12:49:54
